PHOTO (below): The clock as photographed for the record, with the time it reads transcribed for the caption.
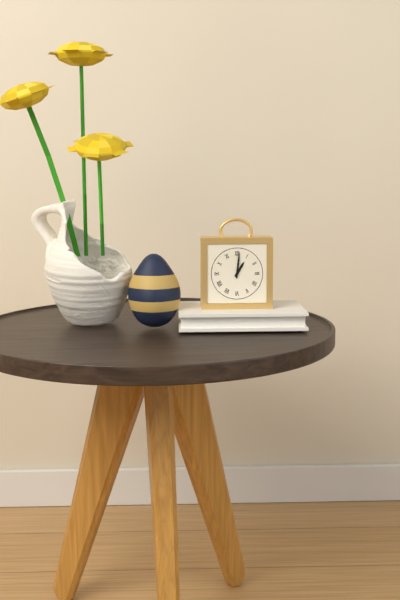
1:01
